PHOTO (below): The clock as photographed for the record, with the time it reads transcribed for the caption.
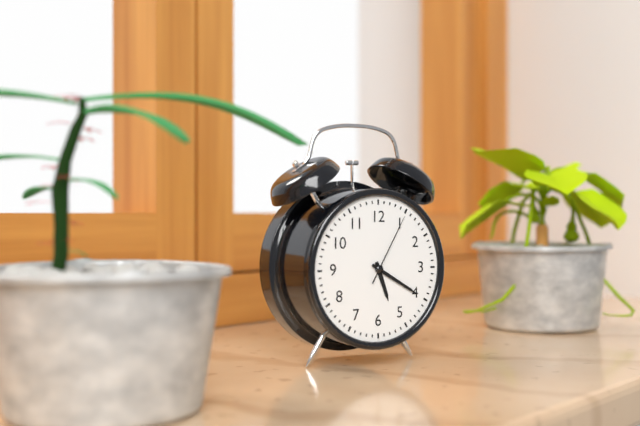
5:20:05
